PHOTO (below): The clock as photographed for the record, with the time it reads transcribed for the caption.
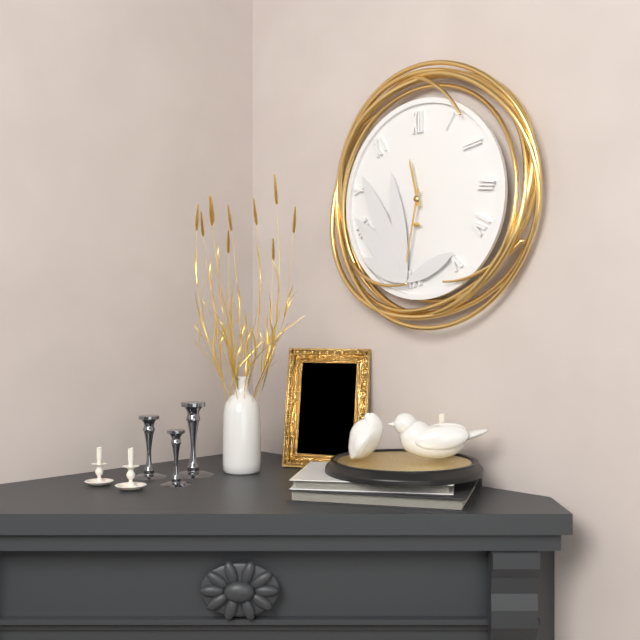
11:32
